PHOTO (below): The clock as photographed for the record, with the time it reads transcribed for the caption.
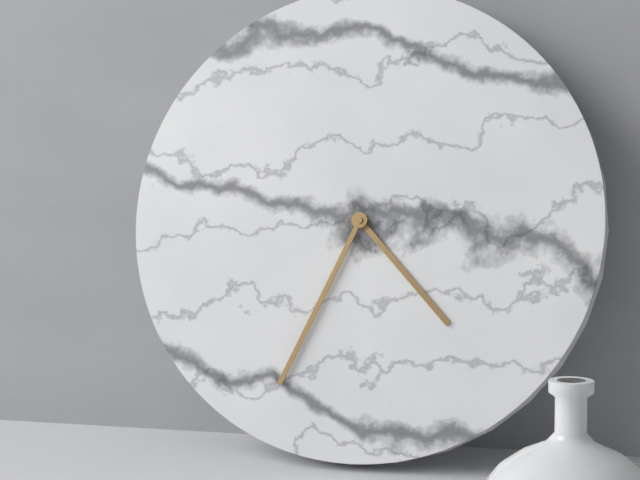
4:34
